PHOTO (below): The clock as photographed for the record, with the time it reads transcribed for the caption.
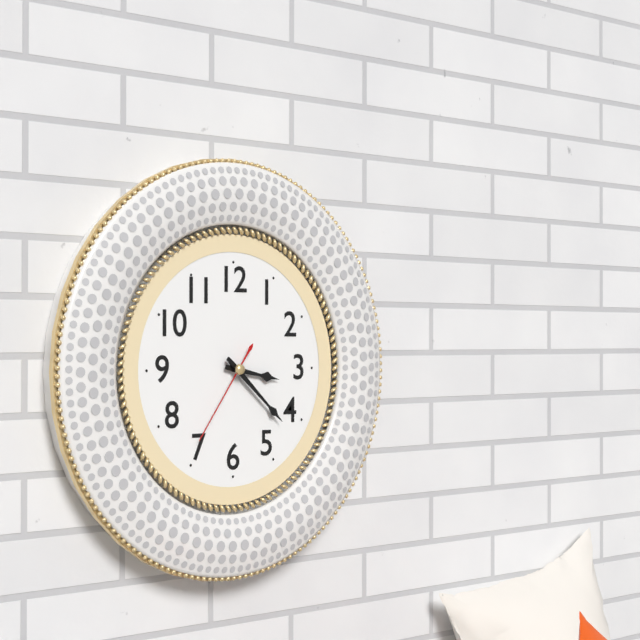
3:22:36
